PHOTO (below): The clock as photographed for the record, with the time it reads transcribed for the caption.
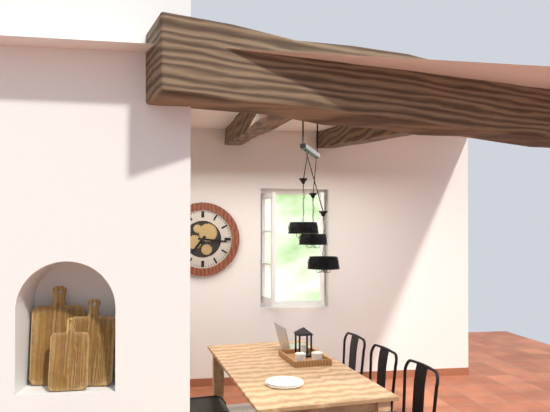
7:16
